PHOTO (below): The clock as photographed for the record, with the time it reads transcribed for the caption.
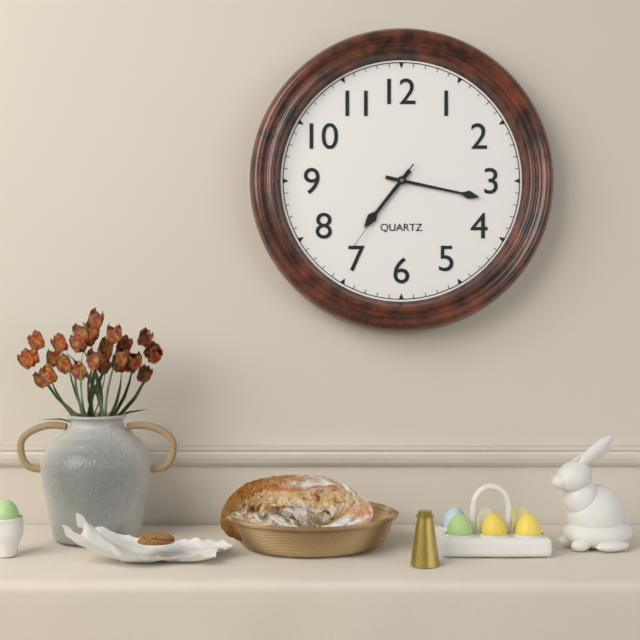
7:17:36
